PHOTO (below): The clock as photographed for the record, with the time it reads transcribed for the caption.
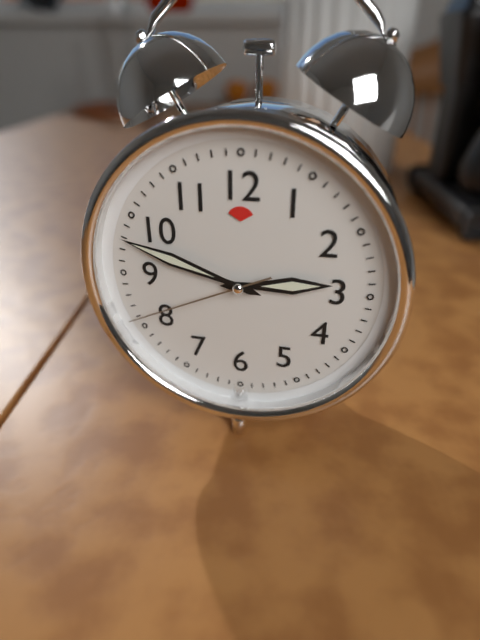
2:48:41
